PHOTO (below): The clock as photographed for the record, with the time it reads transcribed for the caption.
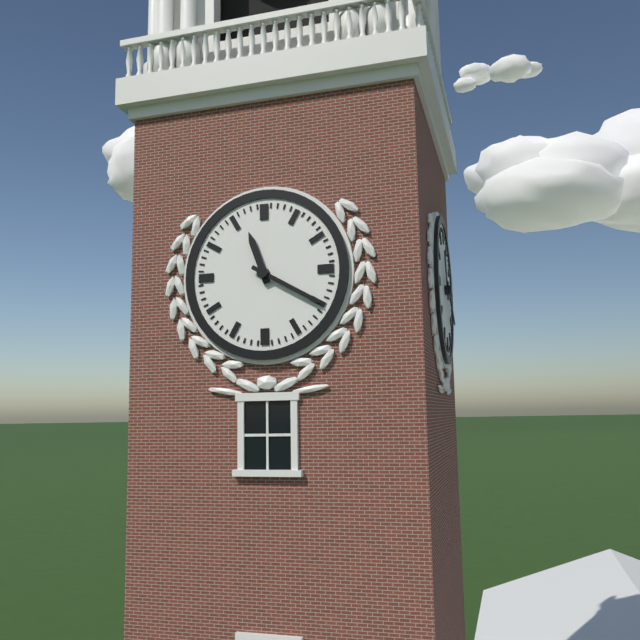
11:20
